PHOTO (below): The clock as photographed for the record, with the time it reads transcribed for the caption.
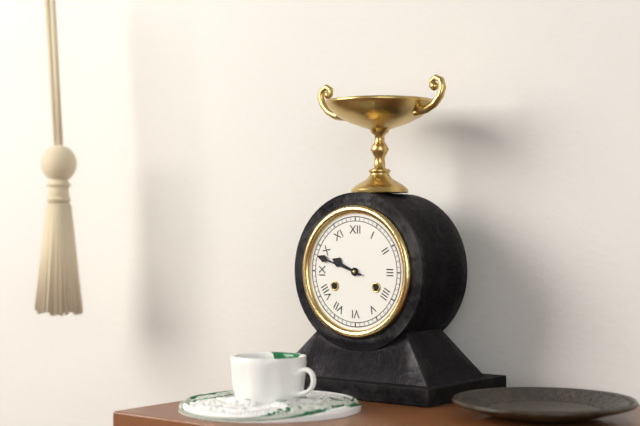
9:48
